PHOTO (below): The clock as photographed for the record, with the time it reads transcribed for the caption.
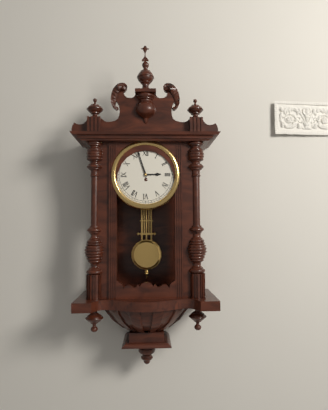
2:57
